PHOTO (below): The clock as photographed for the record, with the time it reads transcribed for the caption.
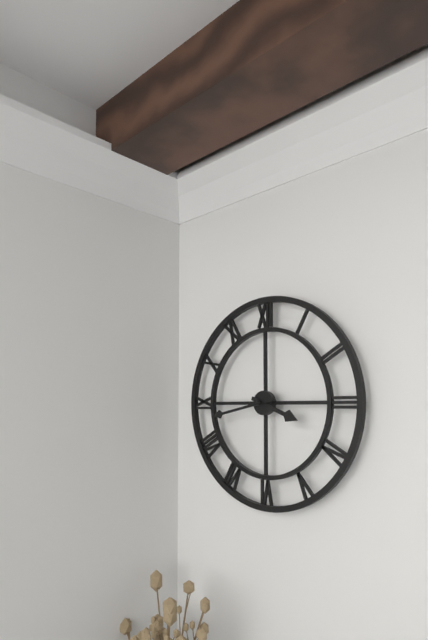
3:43
